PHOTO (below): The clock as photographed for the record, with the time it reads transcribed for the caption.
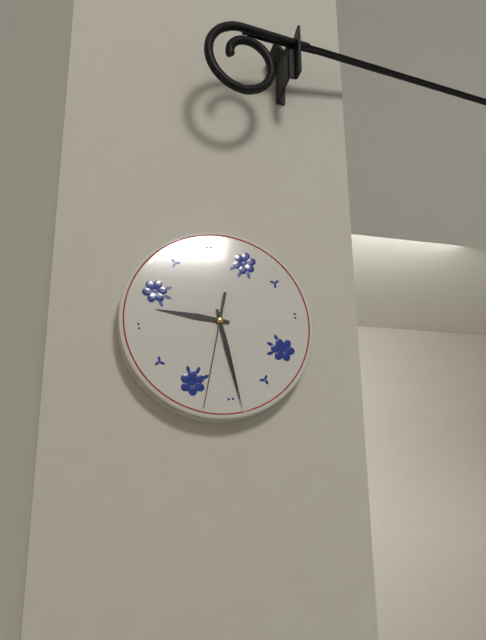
9:29:33
